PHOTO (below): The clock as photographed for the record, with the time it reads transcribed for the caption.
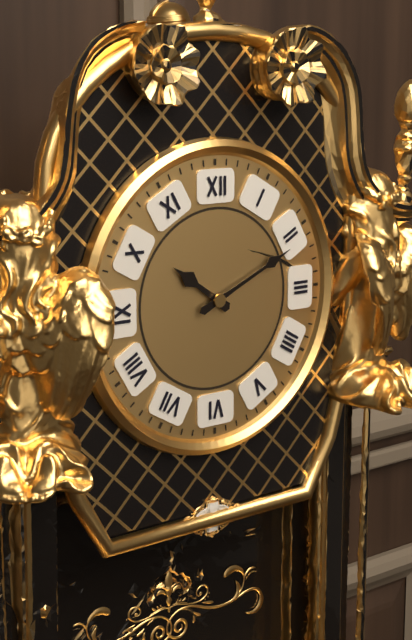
10:11
